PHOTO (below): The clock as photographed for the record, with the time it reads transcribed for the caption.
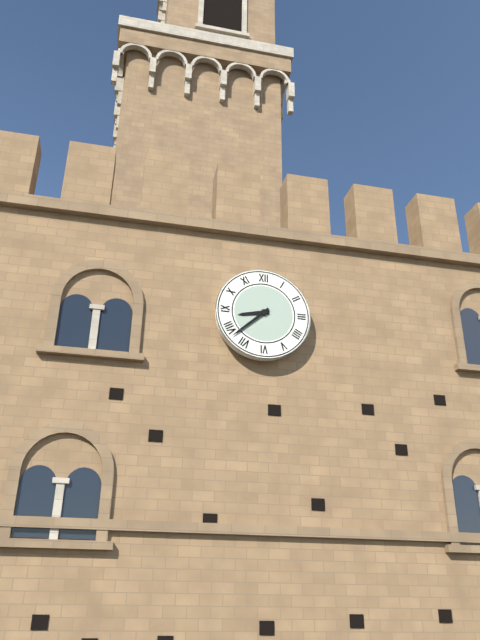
8:38
